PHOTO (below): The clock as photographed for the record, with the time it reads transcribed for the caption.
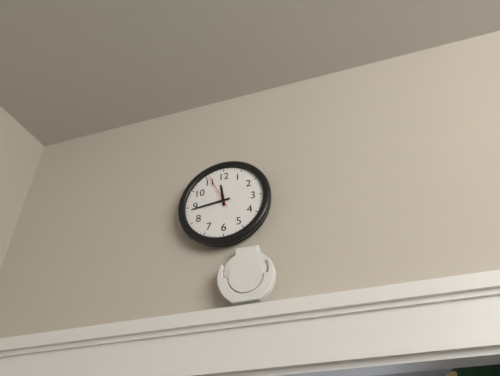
11:44
